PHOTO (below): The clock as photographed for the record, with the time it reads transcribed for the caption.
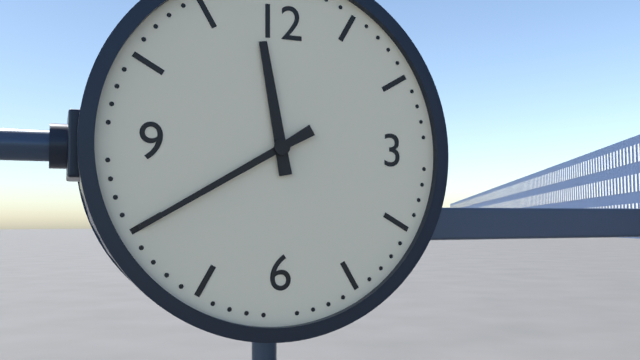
11:40
